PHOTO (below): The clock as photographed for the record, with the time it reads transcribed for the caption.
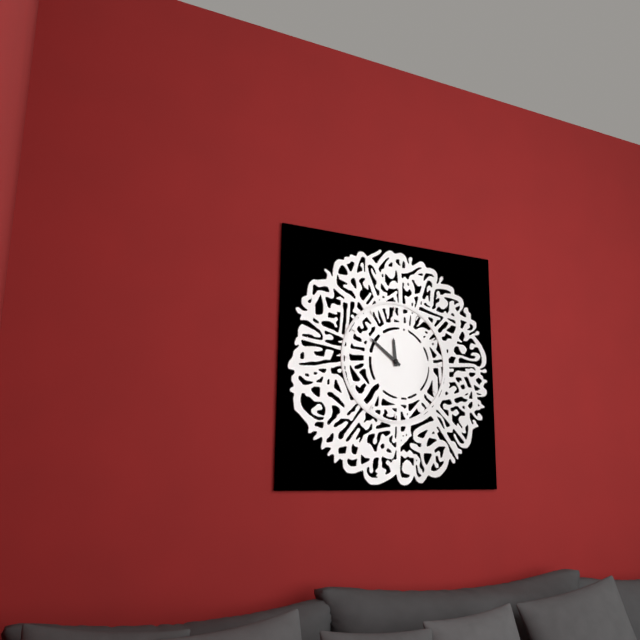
11:51
